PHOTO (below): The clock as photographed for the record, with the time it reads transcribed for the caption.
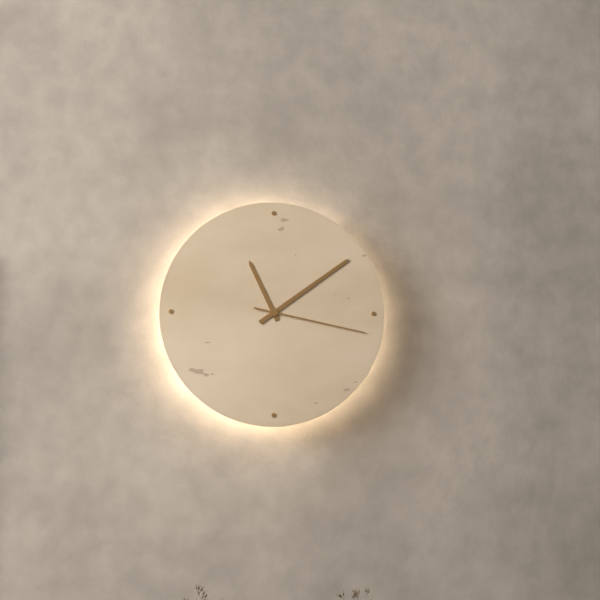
11:09:17
